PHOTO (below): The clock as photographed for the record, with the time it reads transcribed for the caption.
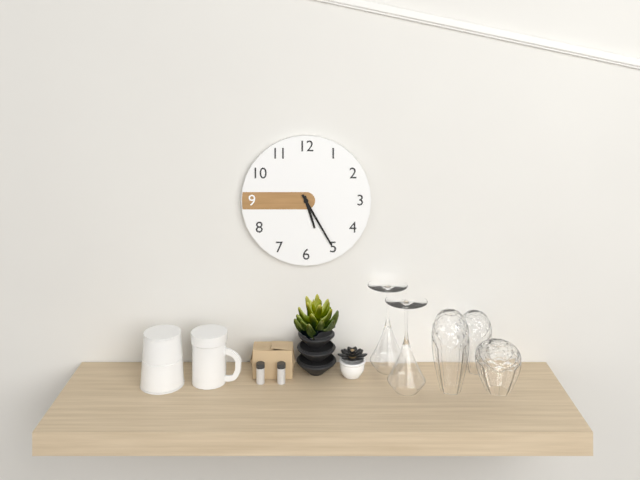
5:25
